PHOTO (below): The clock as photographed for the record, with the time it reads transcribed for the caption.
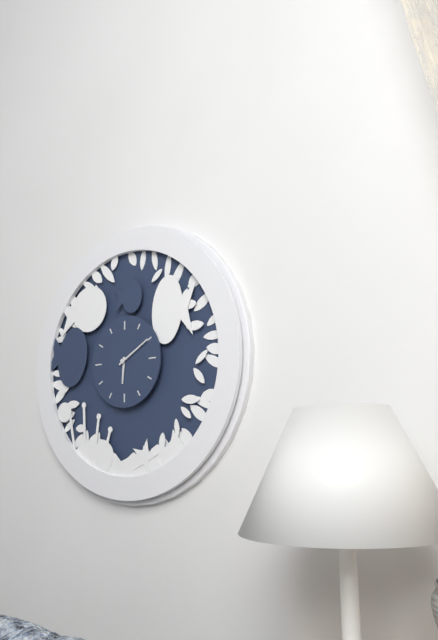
6:10
